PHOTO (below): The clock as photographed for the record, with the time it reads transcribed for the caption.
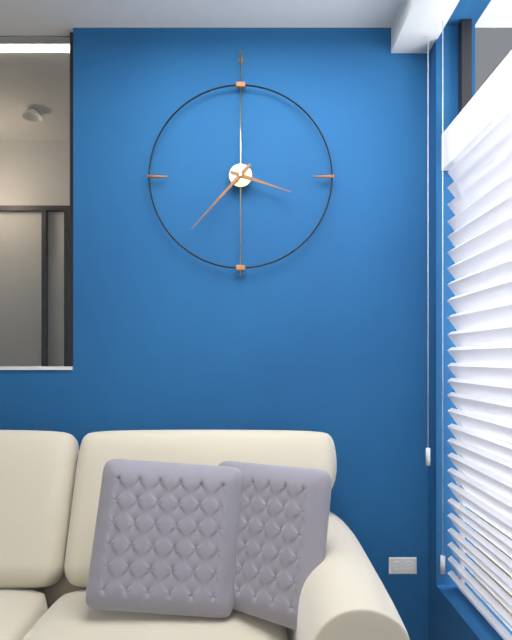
3:37
